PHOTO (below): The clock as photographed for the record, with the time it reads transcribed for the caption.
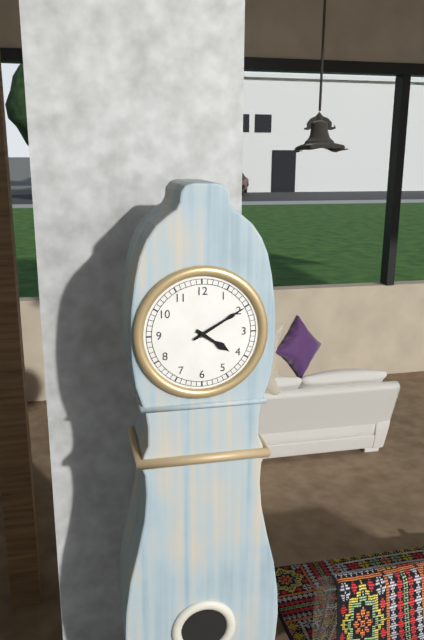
4:10
